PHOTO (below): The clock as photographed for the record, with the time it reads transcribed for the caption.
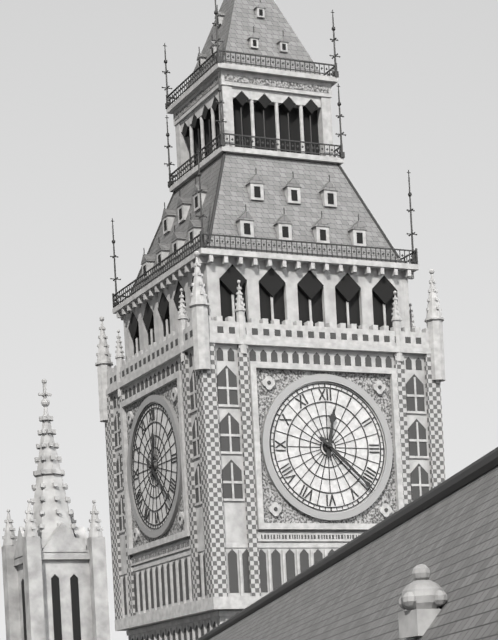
12:22
